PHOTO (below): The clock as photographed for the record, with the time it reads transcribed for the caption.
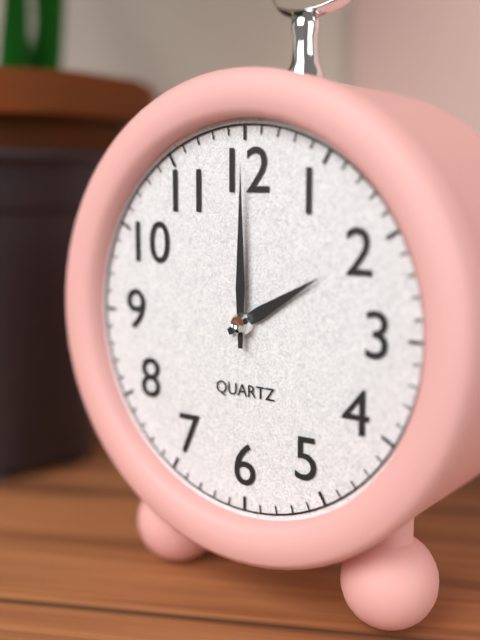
2:00
